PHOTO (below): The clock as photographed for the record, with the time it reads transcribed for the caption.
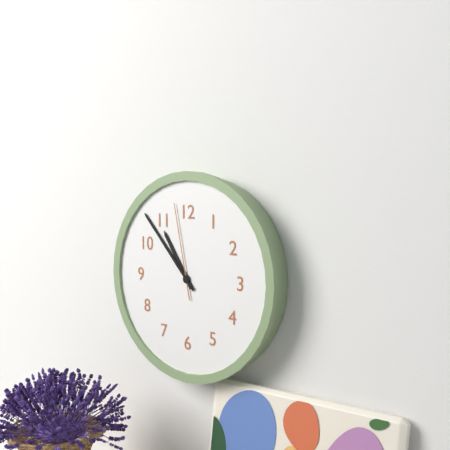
10:53:58
